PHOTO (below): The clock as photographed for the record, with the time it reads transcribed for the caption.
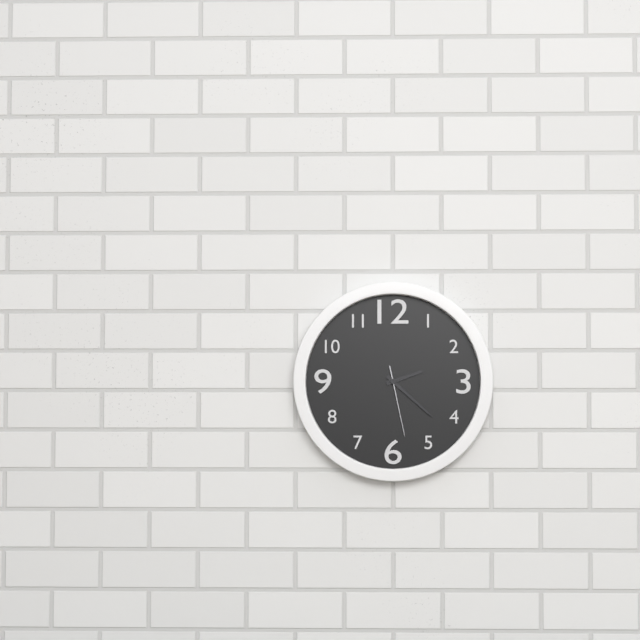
2:22:28
